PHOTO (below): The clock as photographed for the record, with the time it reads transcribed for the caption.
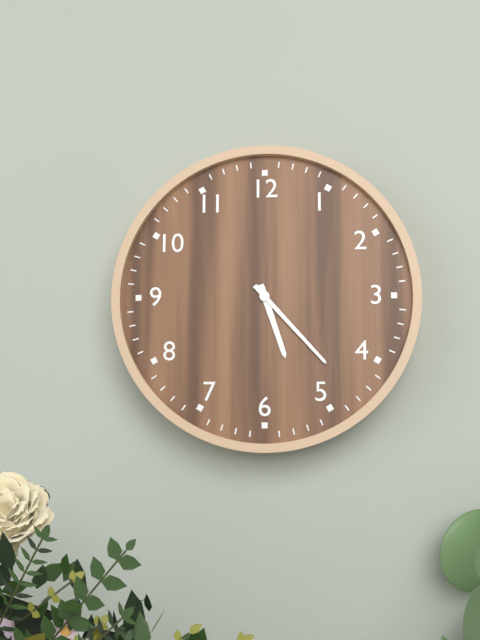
5:23
